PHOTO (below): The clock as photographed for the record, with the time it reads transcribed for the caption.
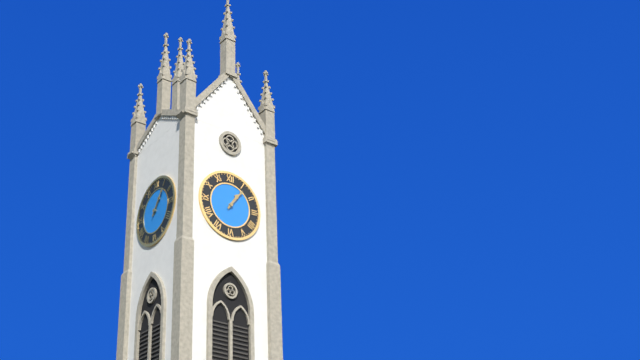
1:06
